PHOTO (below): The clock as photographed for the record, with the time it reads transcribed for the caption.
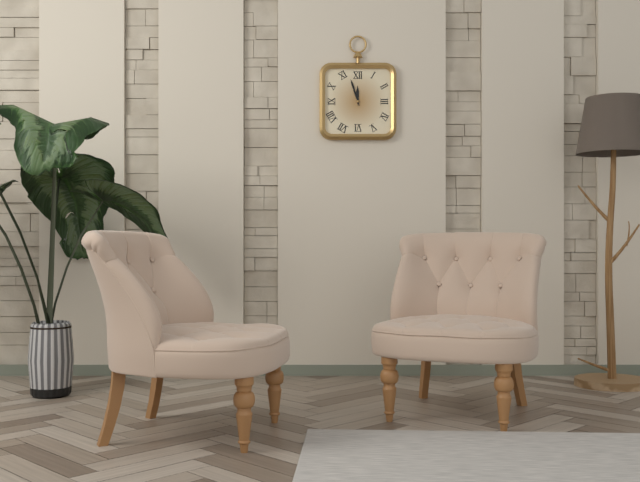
11:57
